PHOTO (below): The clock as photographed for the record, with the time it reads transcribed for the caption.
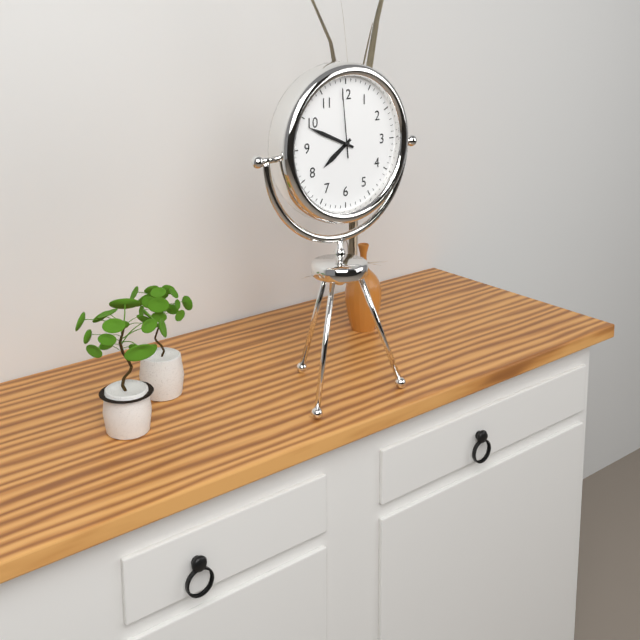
7:49:59
